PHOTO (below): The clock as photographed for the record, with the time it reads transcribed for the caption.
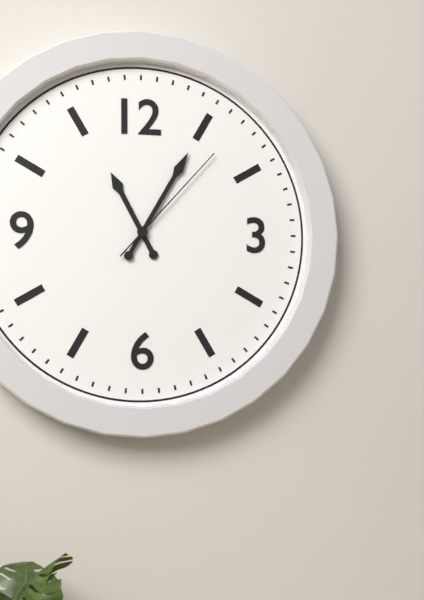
11:05:07
